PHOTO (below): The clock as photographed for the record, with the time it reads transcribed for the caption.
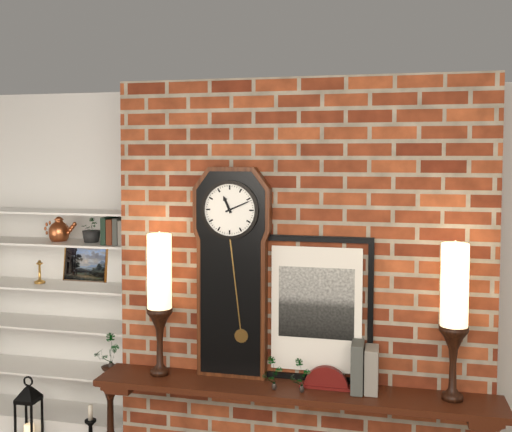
11:11
